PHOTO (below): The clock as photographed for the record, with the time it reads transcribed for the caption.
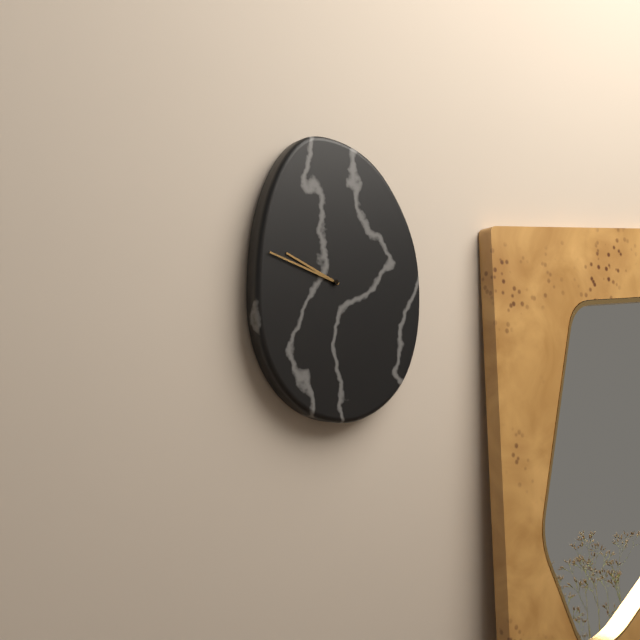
9:48
